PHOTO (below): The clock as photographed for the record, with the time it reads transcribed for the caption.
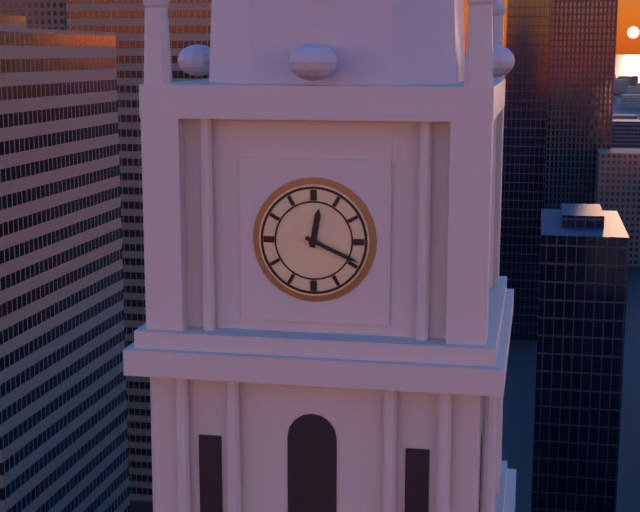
12:19
